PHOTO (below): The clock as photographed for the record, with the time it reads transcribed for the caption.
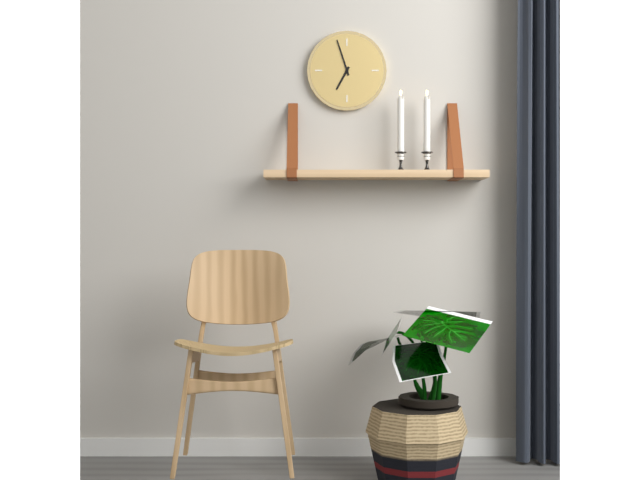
6:57
